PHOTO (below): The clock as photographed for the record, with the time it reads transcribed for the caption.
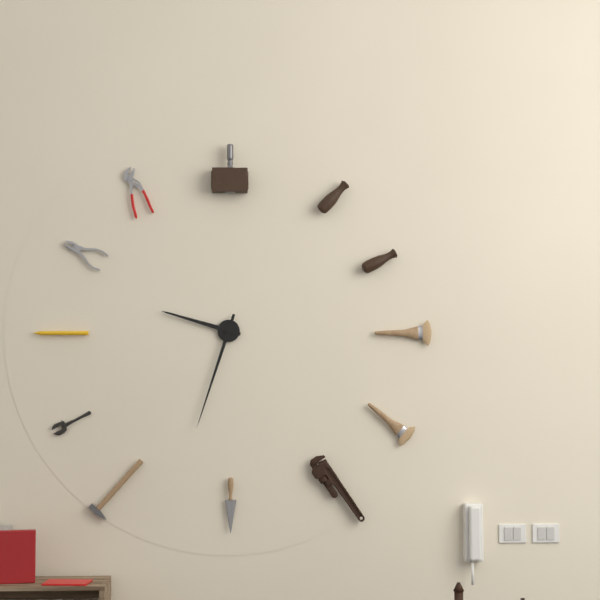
9:33
